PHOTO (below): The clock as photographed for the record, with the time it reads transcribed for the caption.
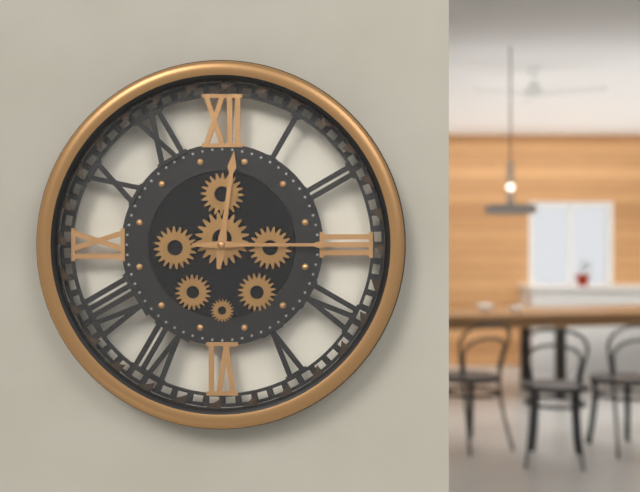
12:15
